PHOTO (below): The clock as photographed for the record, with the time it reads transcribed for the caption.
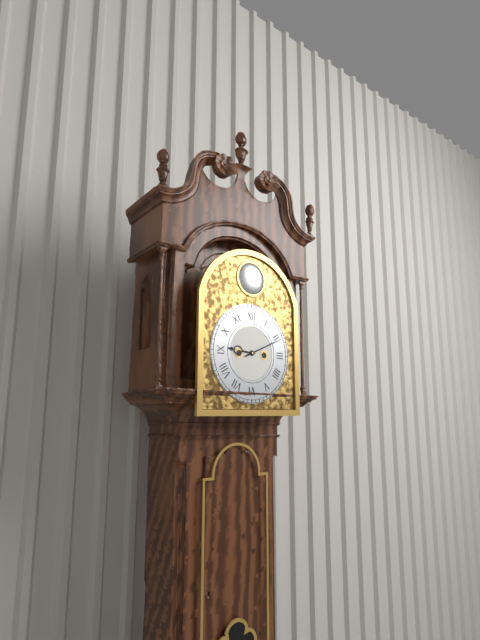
9:11
